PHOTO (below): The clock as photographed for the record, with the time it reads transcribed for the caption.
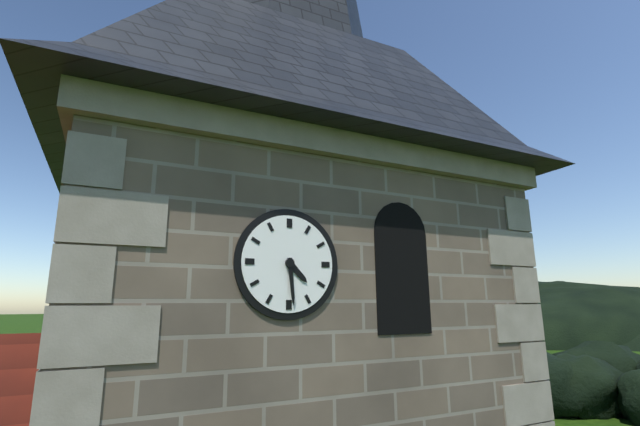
4:29
